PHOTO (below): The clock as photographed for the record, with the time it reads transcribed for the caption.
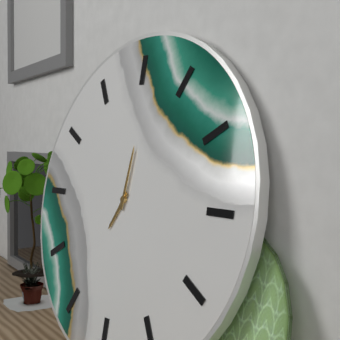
7:01
